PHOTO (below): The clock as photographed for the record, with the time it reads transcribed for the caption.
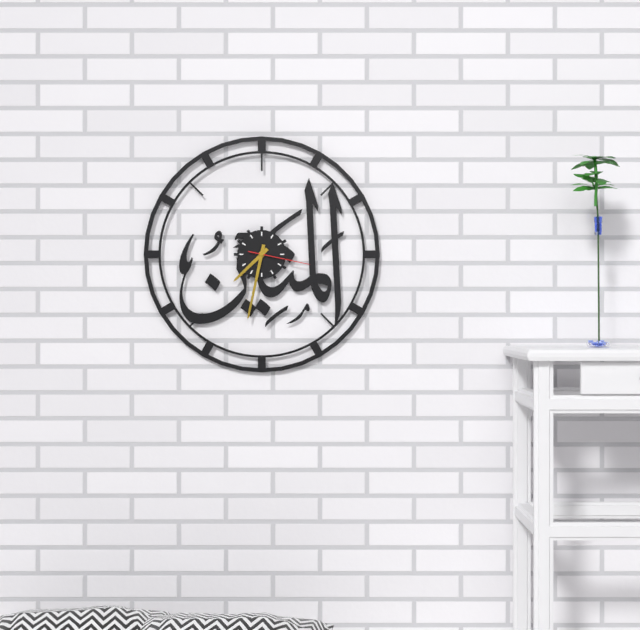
7:32:17
